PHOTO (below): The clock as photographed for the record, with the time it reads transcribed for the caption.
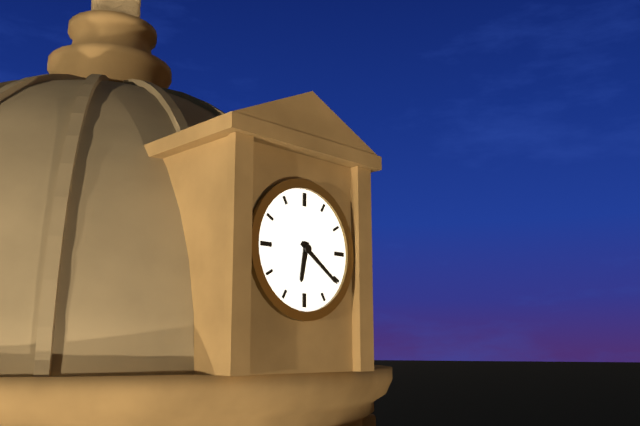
6:21
